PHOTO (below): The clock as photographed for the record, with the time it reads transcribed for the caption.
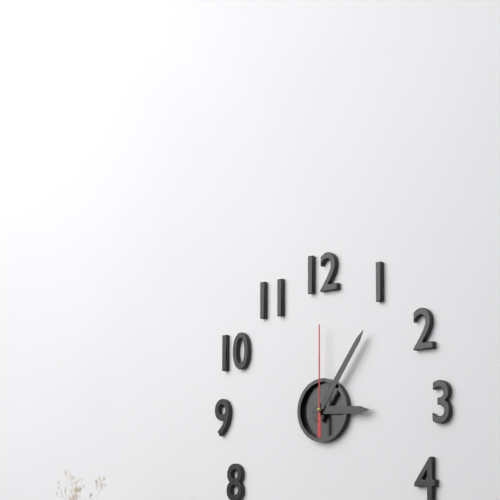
3:06:00
